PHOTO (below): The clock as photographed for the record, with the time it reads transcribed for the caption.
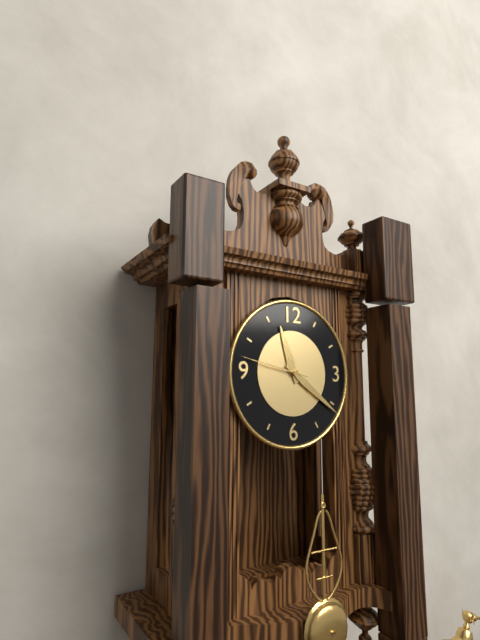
11:21:47
